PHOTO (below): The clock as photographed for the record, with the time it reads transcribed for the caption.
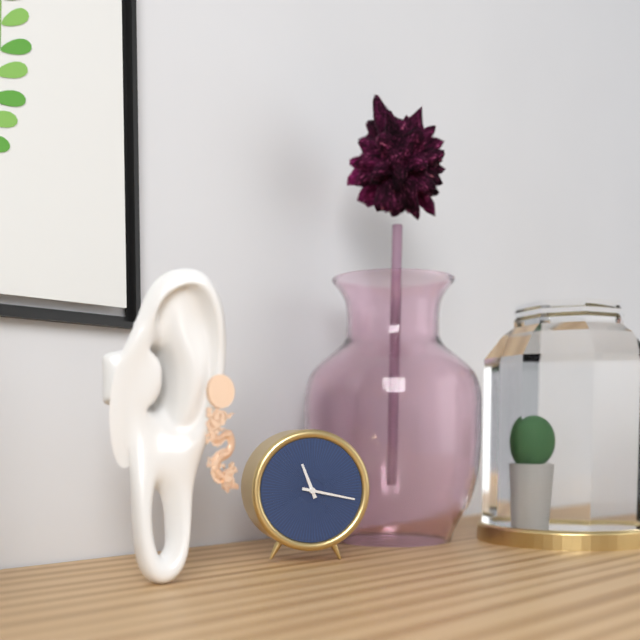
11:17
